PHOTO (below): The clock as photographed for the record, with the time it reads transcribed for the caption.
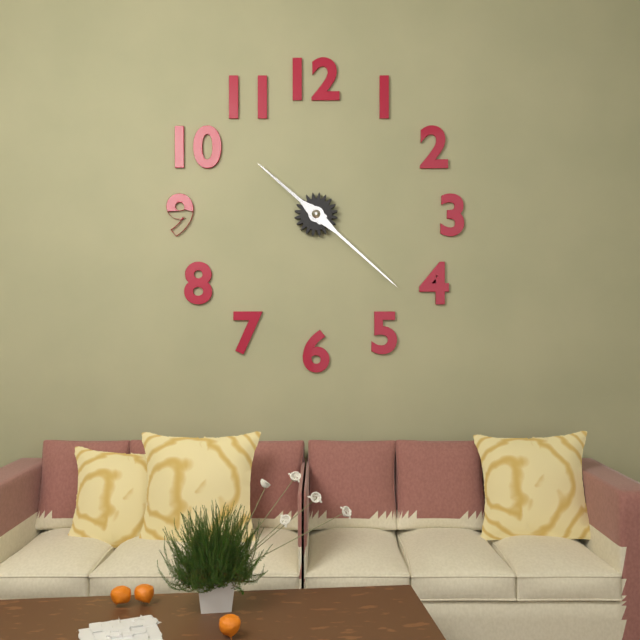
10:22
